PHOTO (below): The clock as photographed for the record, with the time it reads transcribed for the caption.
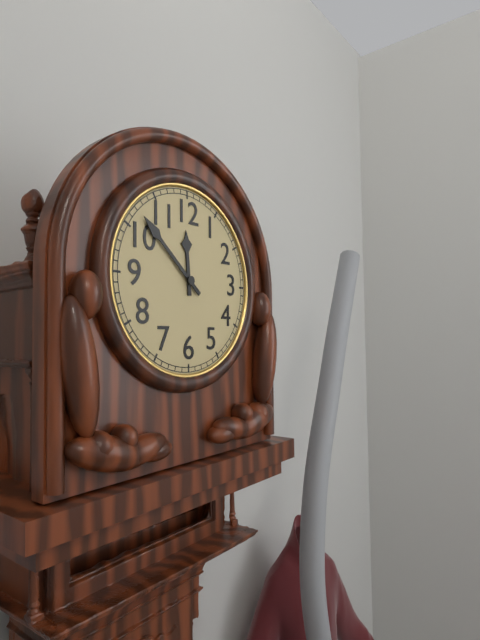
11:52
